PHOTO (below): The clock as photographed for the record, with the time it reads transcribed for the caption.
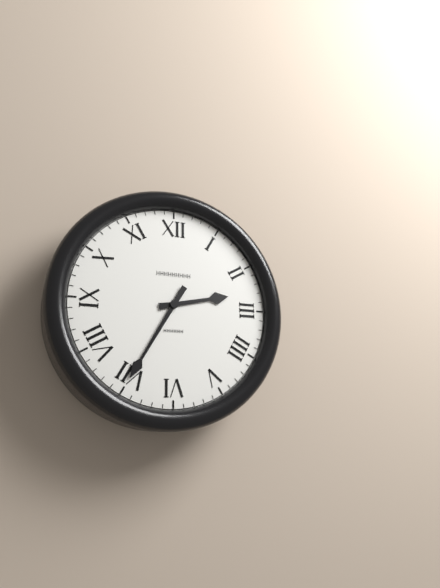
2:35
